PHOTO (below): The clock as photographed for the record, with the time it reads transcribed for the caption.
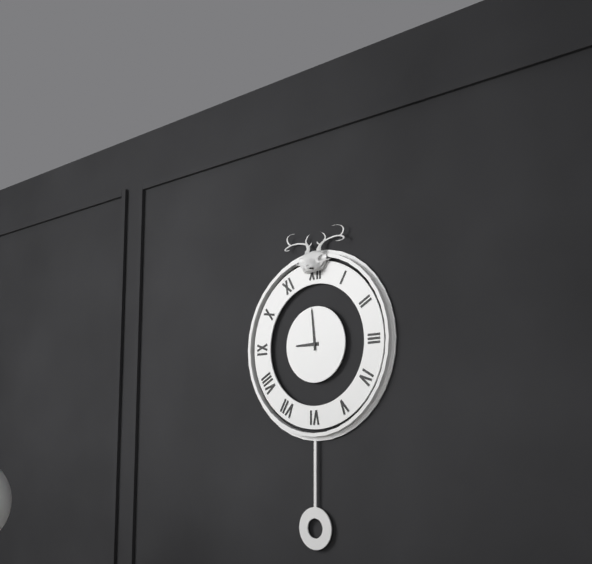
8:59
